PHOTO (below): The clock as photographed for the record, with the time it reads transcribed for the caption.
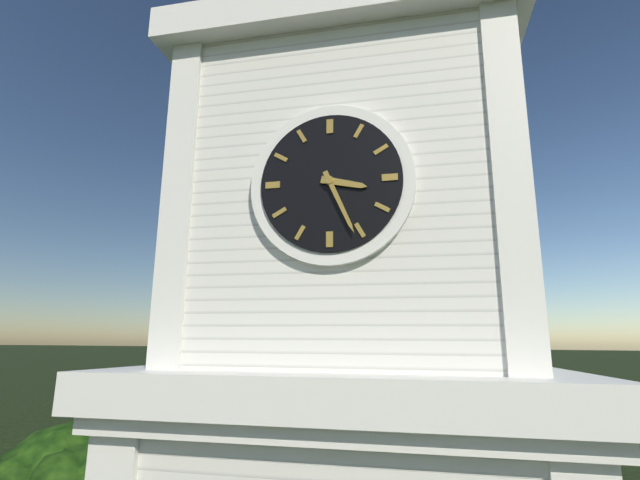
3:26
